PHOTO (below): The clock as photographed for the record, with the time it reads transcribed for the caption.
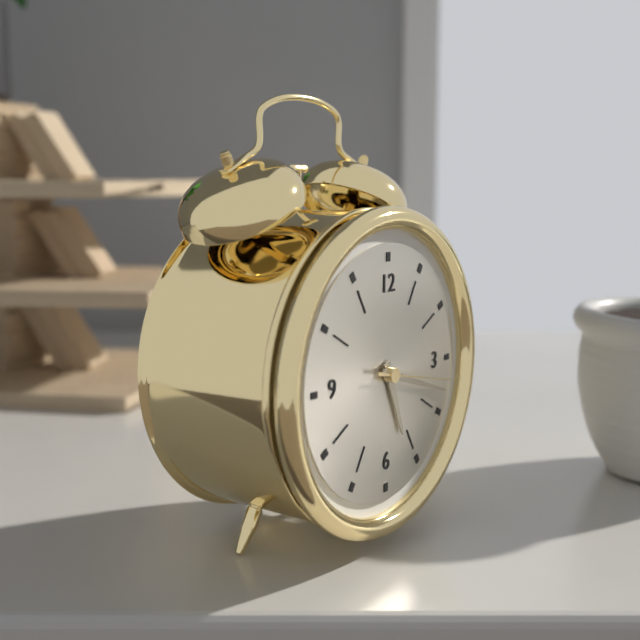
5:18:17
